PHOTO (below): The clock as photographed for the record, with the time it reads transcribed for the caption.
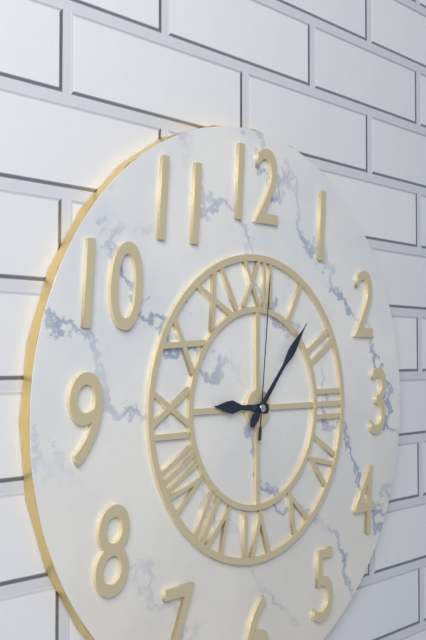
9:07:01
